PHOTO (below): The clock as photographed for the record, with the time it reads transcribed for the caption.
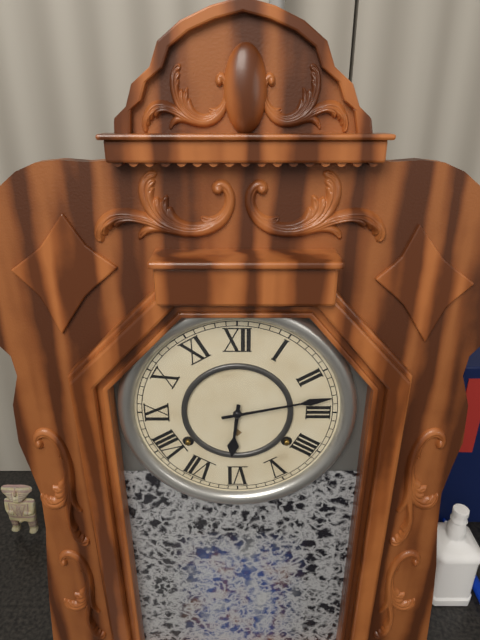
6:13
